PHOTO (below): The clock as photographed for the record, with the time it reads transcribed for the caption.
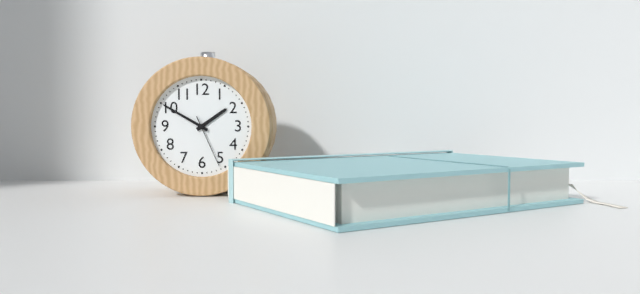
1:50:26
